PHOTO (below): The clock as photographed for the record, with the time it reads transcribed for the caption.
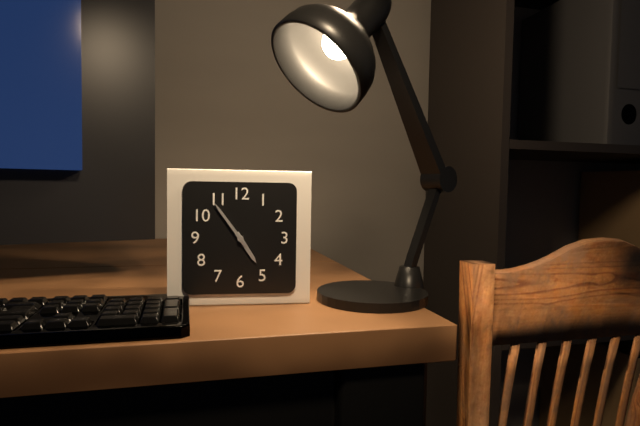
4:54
